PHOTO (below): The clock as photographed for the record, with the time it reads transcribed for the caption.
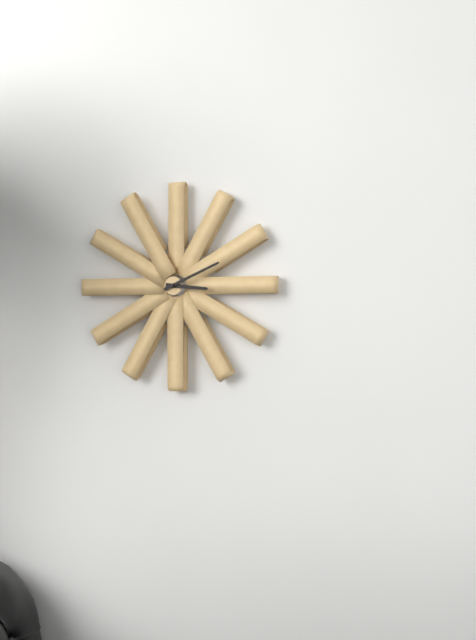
3:11
